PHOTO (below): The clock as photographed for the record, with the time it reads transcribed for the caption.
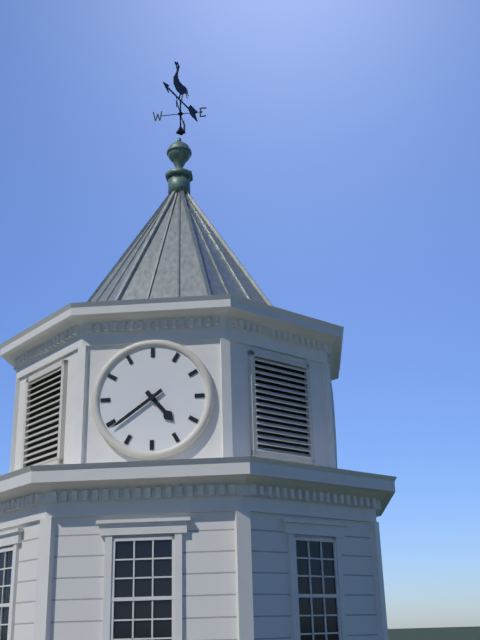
4:39
